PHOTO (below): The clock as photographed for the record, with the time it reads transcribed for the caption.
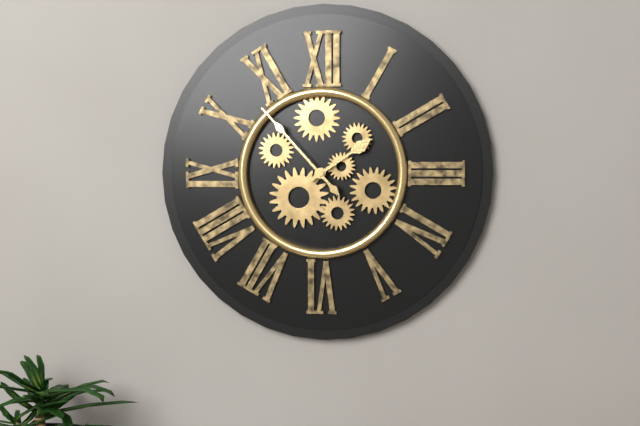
1:53
